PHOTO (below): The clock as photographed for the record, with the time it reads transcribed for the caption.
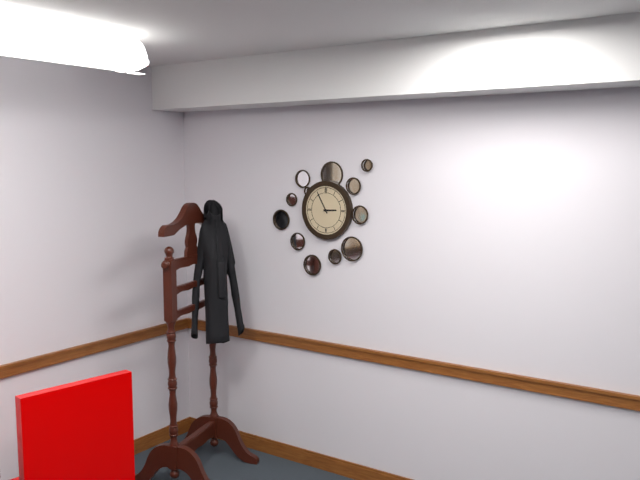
2:55
